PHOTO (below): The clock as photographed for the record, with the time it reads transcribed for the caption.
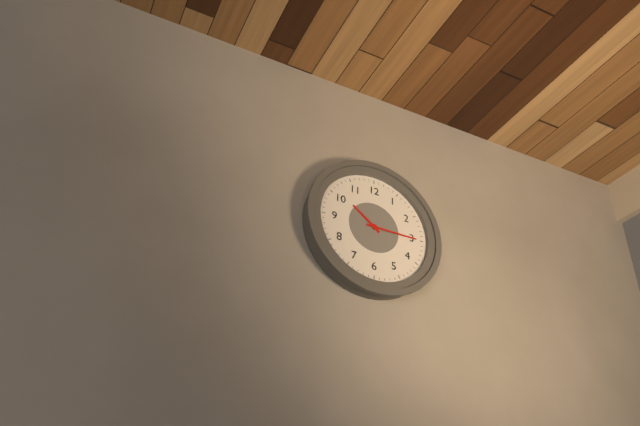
10:15
